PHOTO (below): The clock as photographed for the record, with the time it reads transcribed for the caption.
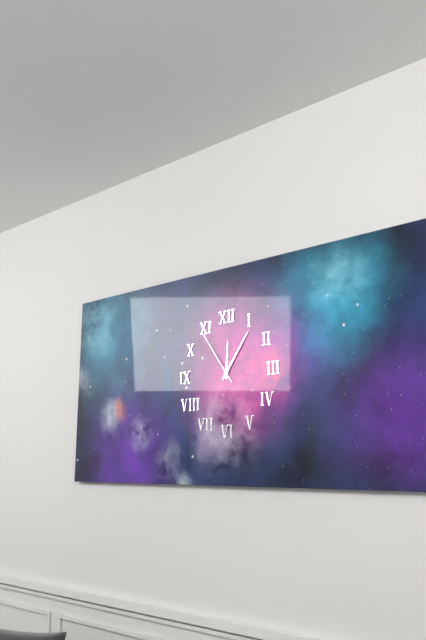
12:06:54
